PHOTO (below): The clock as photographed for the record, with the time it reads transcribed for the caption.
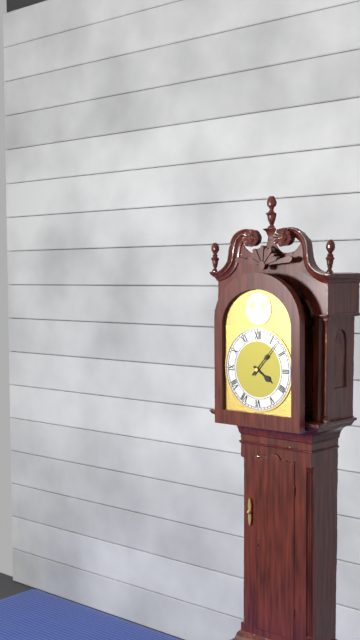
4:07
